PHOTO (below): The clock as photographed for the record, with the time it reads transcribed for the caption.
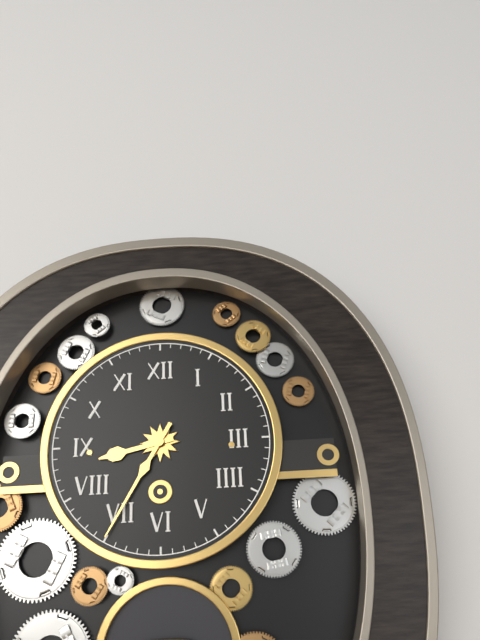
8:35
